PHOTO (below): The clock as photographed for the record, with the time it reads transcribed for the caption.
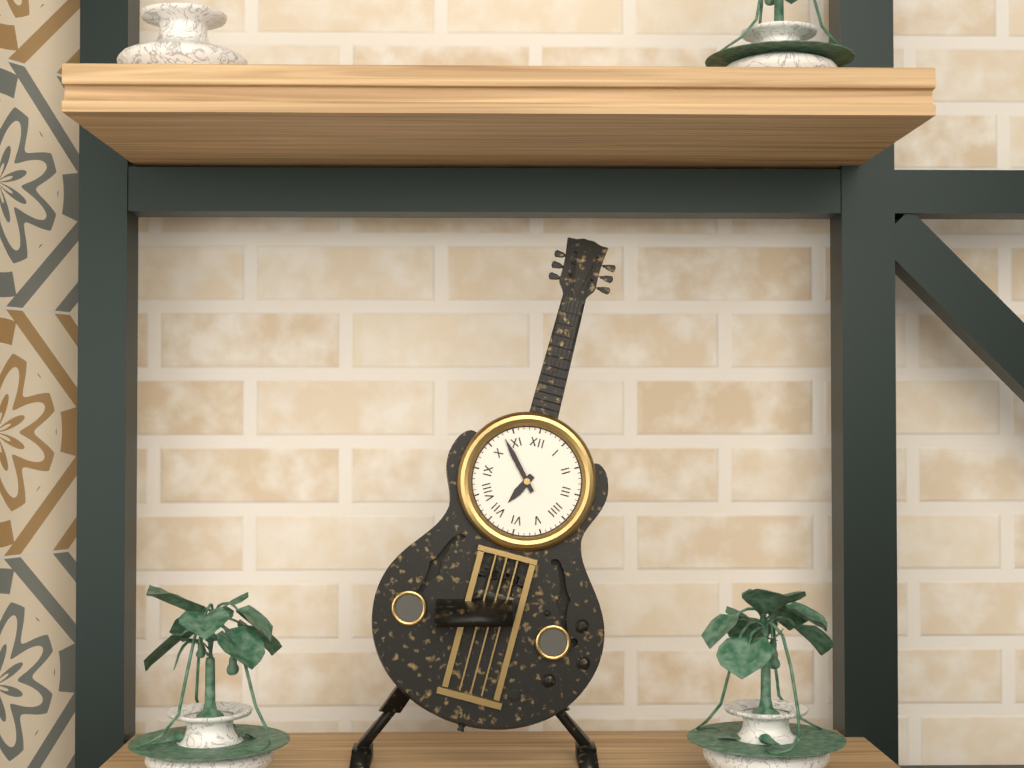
6:53
